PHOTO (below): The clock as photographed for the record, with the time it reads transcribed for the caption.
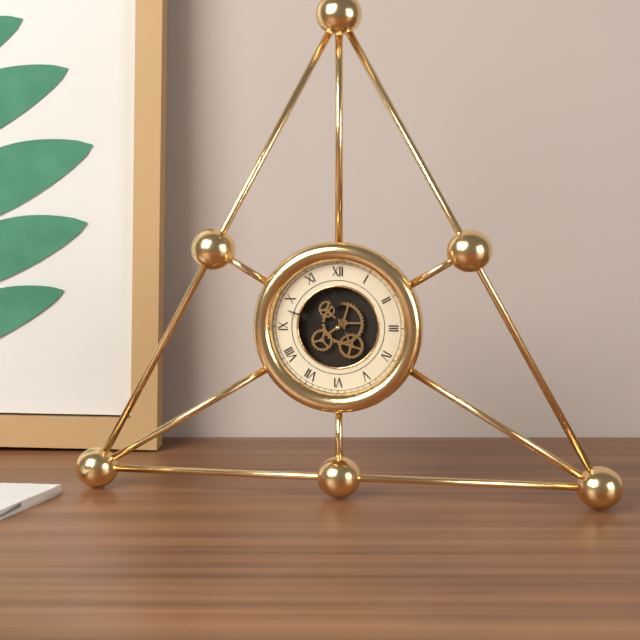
11:48
